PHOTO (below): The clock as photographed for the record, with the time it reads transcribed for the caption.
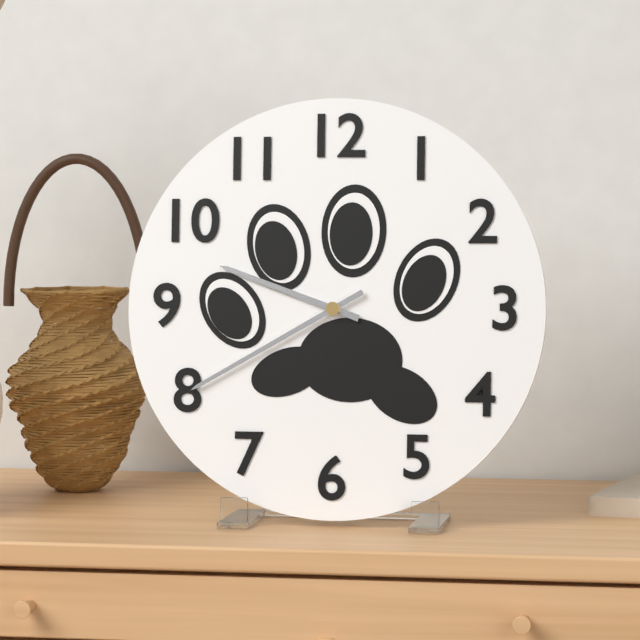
9:40
